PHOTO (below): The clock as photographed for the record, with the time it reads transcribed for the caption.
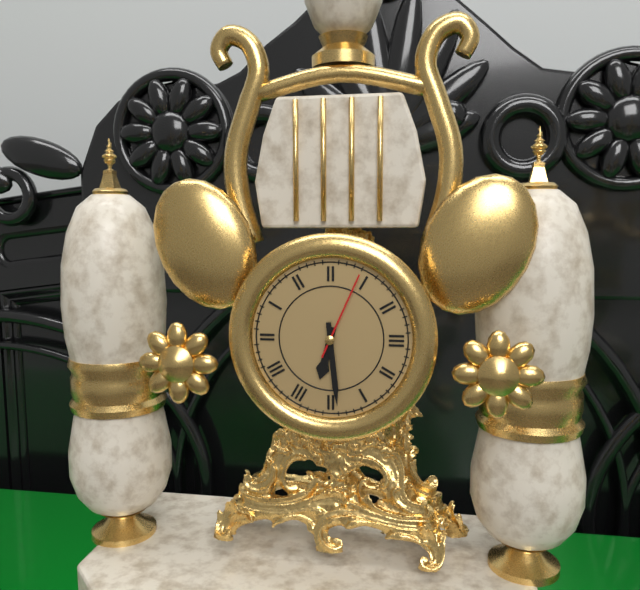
6:29:04
